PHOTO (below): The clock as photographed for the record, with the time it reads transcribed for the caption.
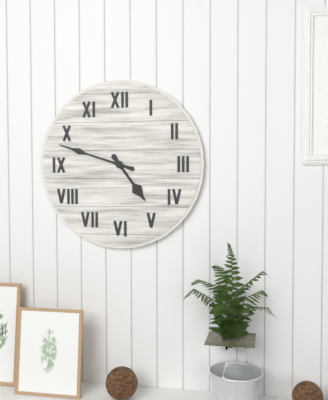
4:48
